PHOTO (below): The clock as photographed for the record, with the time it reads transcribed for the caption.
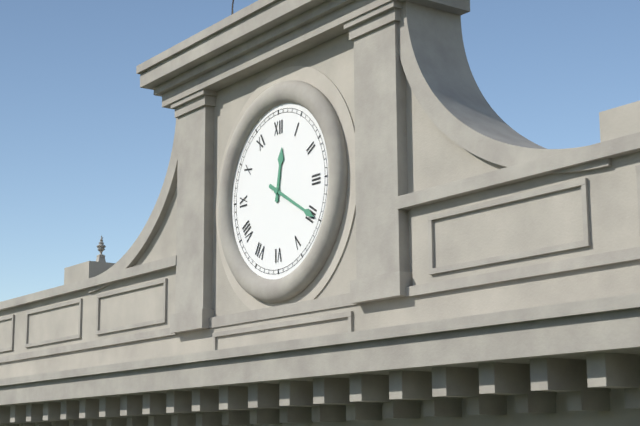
12:20
